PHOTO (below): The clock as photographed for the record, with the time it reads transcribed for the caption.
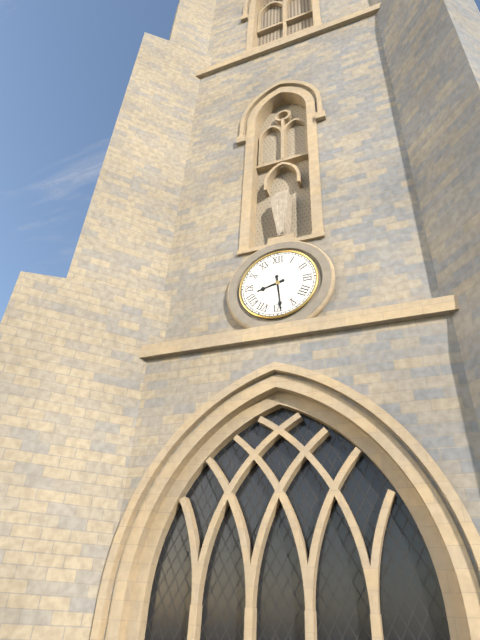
8:29
